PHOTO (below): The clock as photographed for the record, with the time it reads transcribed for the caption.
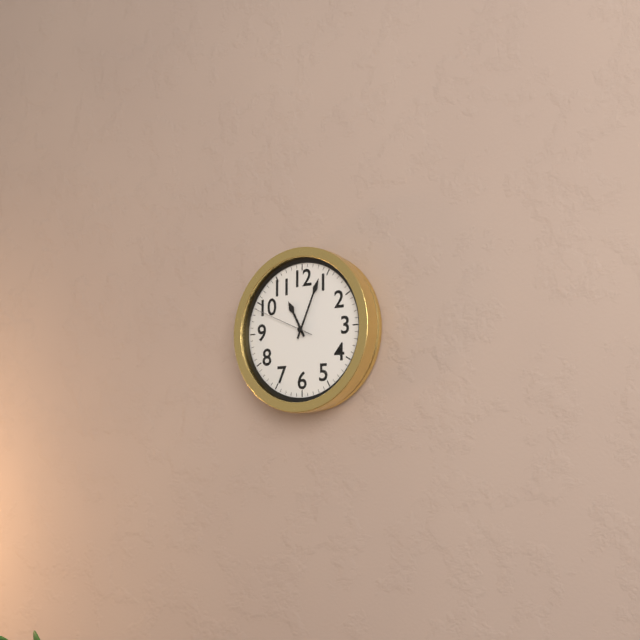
11:04:49
